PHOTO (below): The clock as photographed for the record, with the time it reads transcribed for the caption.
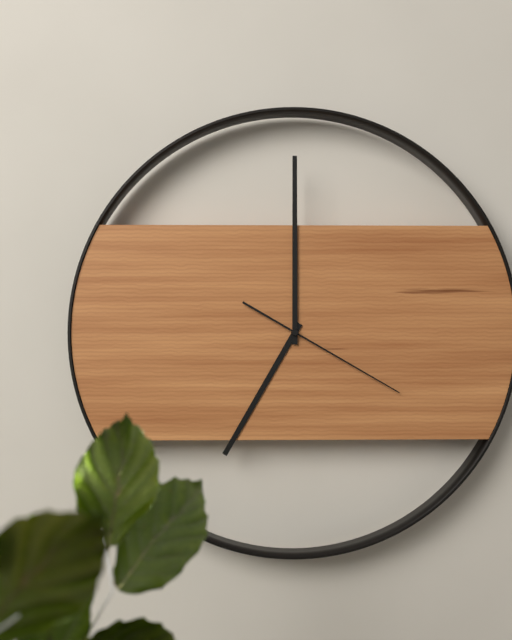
7:00:20
